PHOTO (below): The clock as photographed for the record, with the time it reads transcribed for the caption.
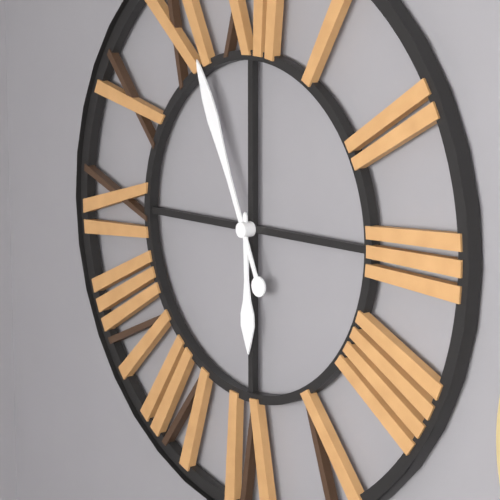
5:56
